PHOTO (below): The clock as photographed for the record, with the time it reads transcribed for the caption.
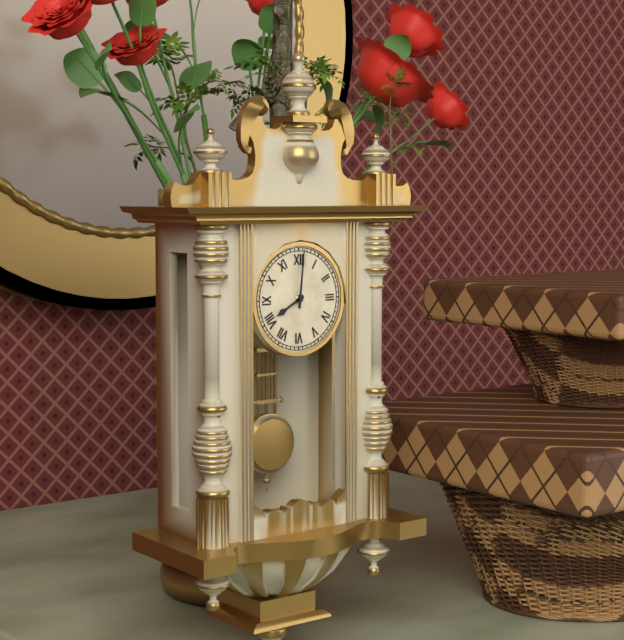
8:01
